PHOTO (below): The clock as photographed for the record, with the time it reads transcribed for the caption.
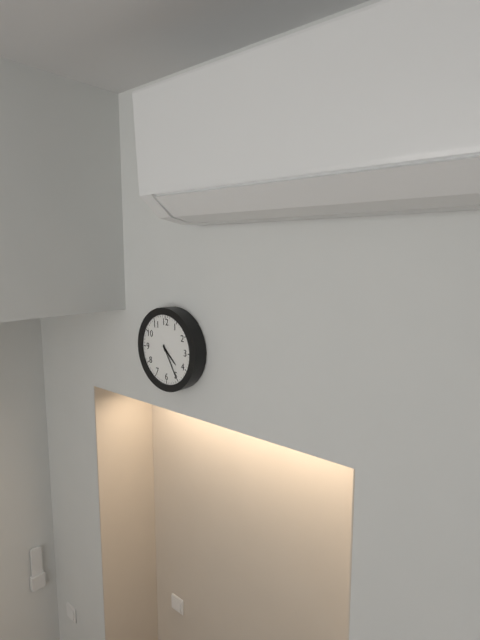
4:25
